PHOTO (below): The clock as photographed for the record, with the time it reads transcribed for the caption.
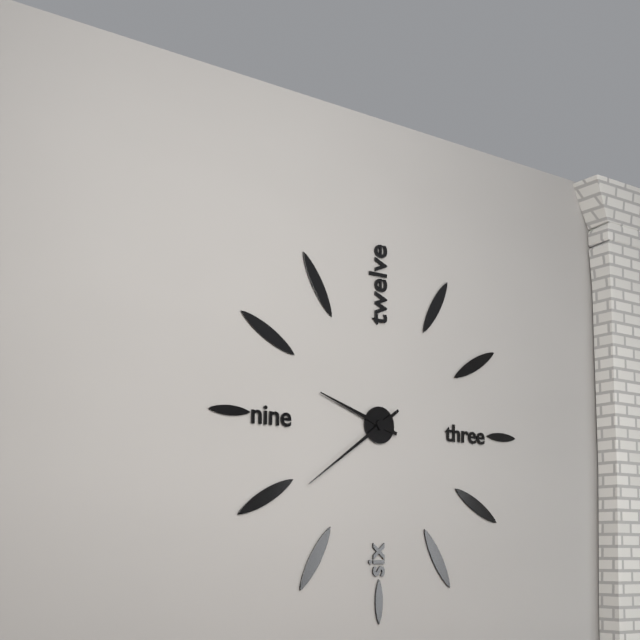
9:39
